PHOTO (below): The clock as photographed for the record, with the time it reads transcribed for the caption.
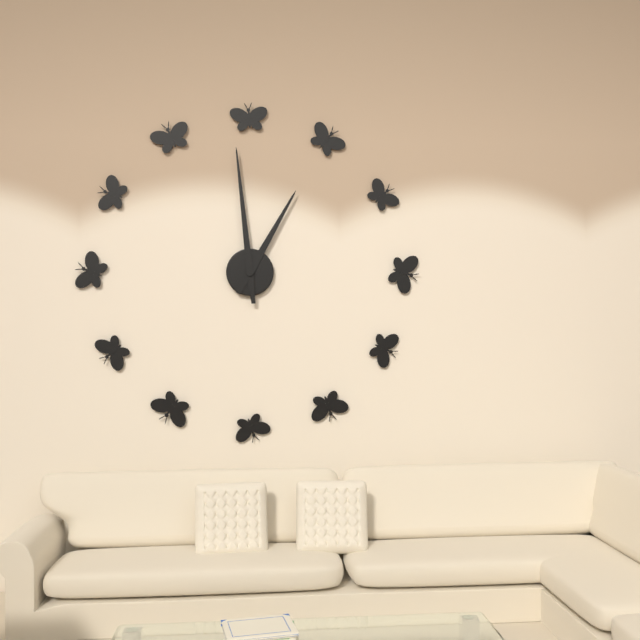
12:59
